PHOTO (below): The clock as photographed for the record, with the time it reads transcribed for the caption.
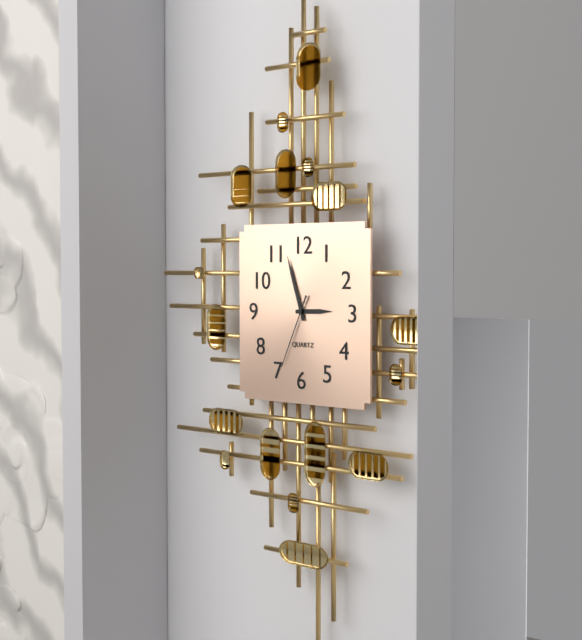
2:57:34
